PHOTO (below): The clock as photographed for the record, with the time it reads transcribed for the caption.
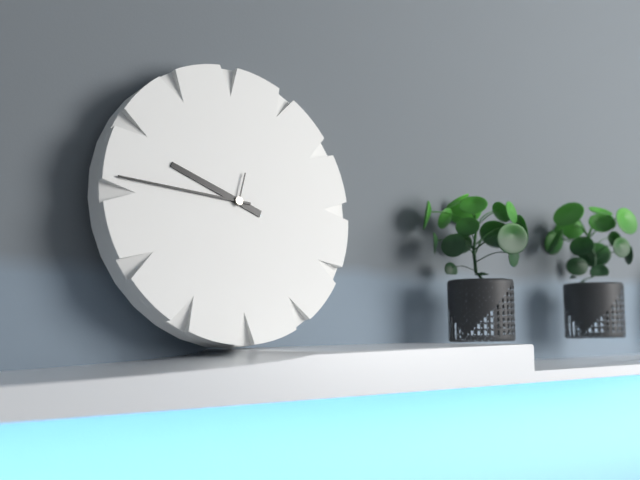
9:46
